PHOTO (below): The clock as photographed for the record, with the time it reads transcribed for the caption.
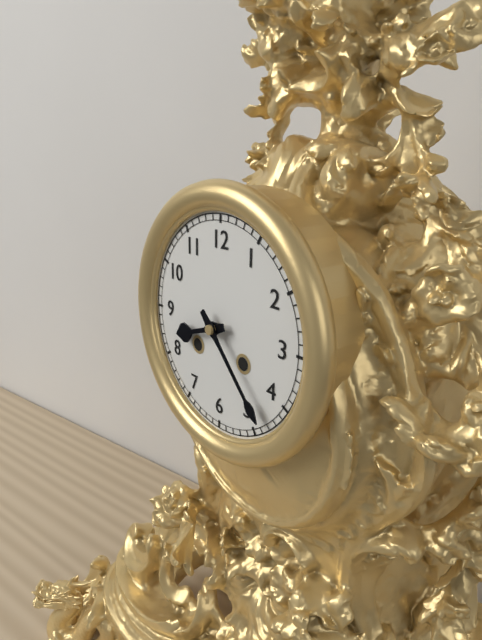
8:23
